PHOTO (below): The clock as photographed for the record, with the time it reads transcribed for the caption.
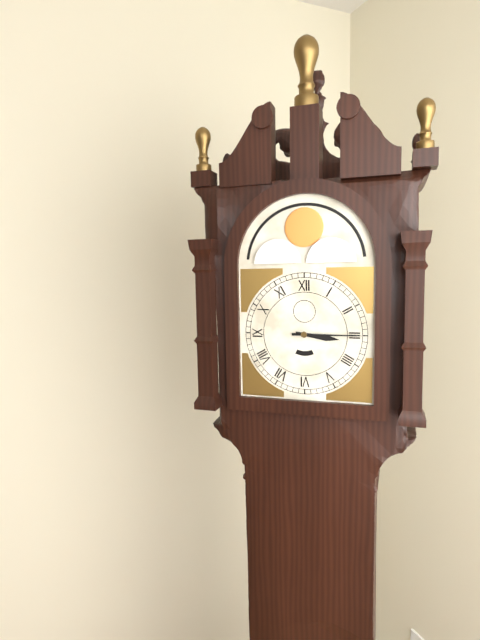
3:15
